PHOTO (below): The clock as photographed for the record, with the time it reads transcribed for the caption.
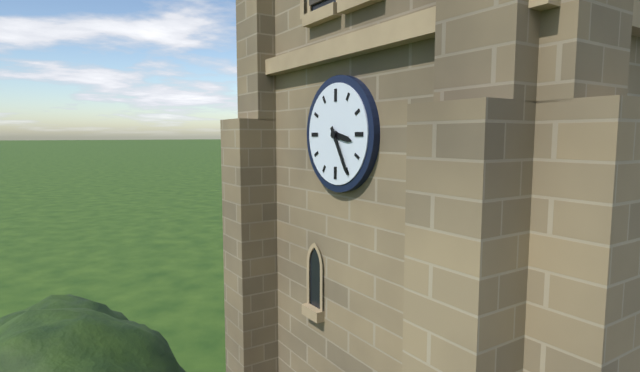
3:25
